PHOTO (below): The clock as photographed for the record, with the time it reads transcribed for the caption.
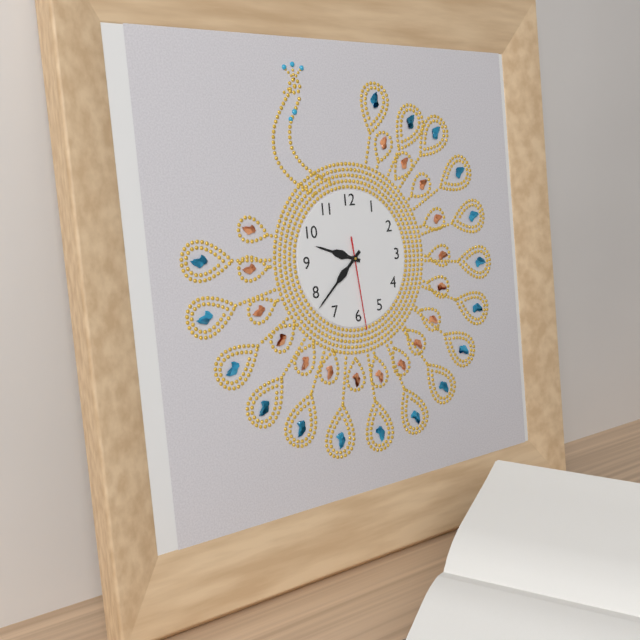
9:38:29
